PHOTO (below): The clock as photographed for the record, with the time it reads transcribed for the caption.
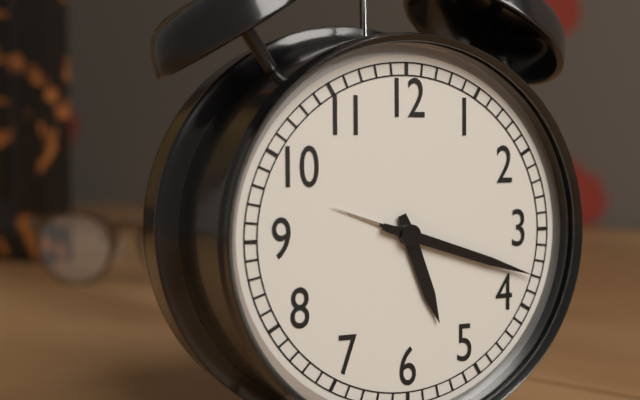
5:18
